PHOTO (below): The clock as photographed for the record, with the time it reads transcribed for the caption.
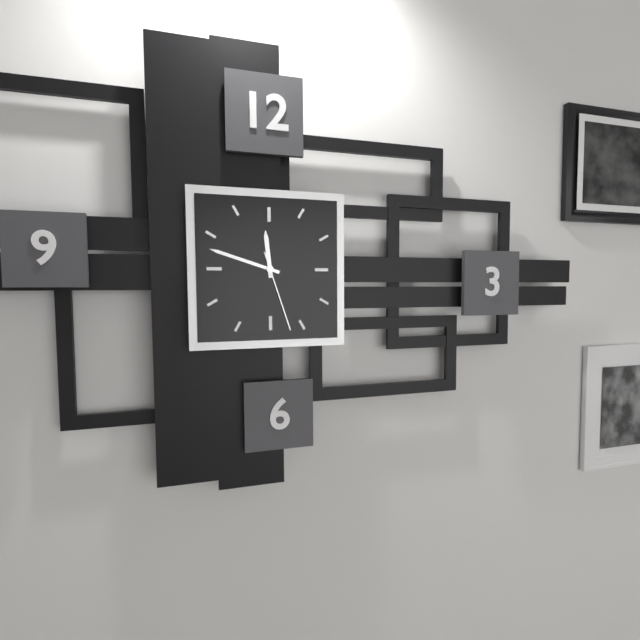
11:48:27
